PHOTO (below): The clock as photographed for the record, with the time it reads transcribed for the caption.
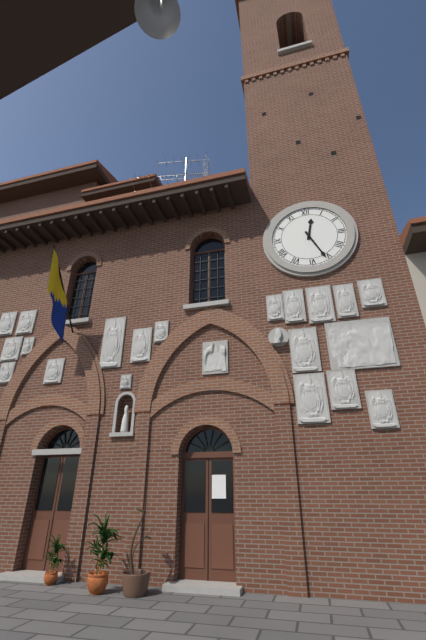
12:26
